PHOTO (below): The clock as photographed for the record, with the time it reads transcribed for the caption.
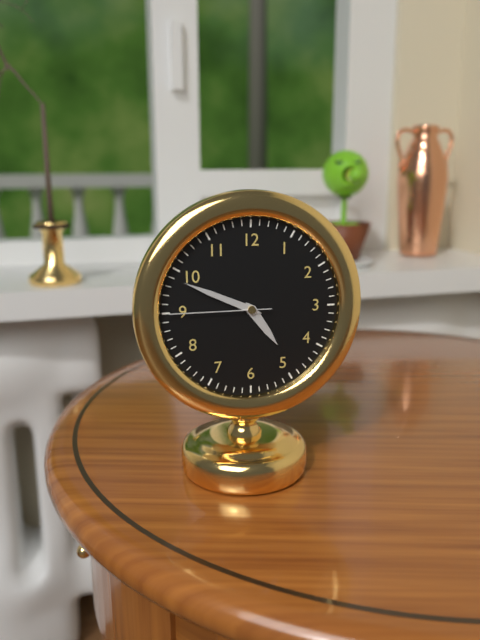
4:49:45
